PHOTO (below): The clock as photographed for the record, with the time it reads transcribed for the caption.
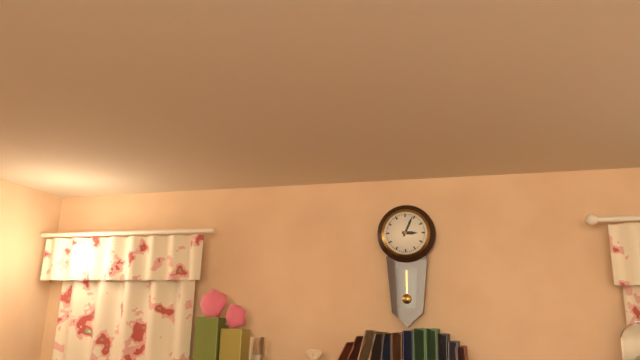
3:04
